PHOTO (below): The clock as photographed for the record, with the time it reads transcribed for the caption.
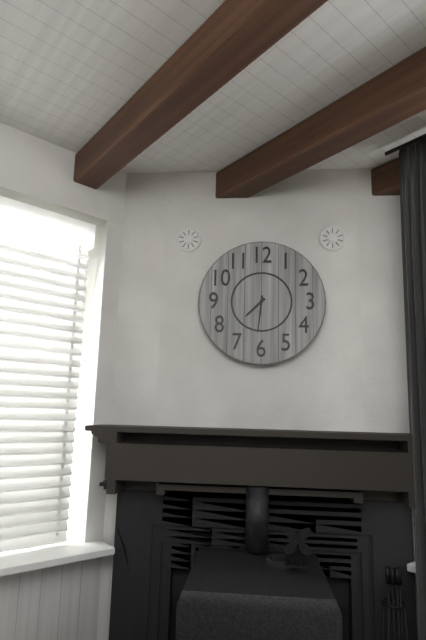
7:31
